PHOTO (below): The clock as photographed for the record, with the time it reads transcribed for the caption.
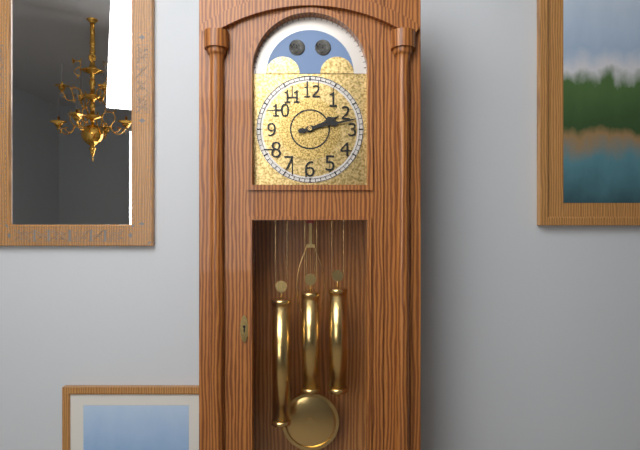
2:13
